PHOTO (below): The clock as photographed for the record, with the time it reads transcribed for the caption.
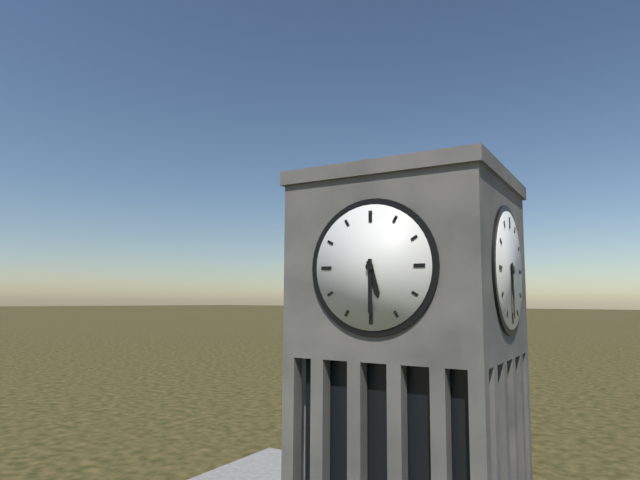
5:30
